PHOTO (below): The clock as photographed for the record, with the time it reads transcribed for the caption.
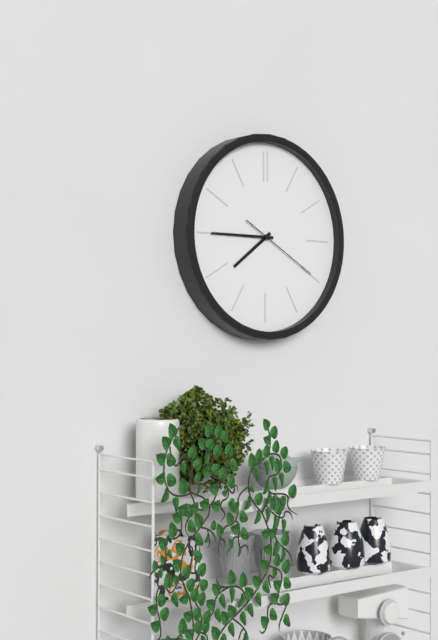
7:45:20
